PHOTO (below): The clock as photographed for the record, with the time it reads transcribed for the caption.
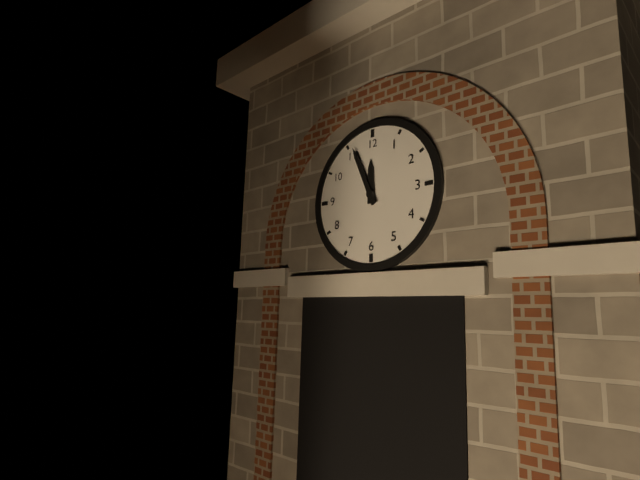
11:56
